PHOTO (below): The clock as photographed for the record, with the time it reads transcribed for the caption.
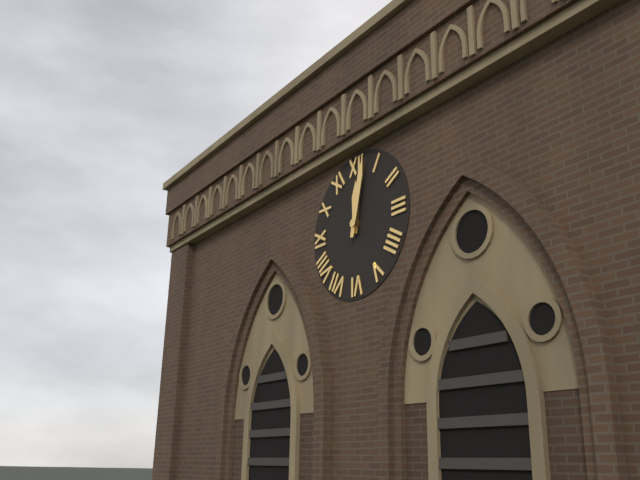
12:02
